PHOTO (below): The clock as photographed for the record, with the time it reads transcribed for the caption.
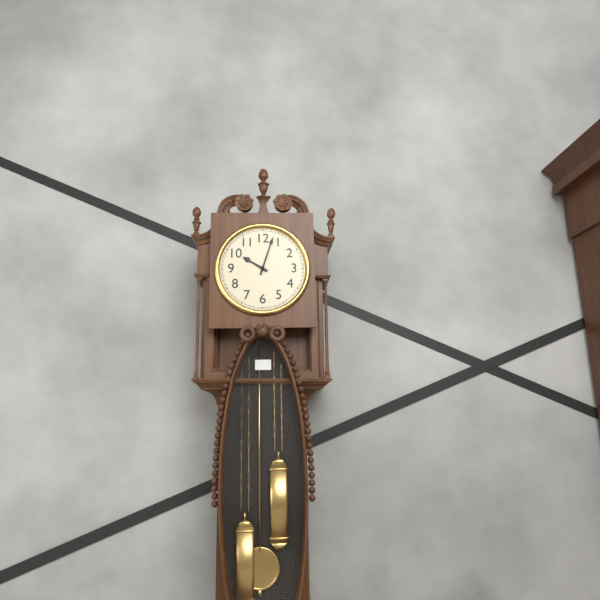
10:03
